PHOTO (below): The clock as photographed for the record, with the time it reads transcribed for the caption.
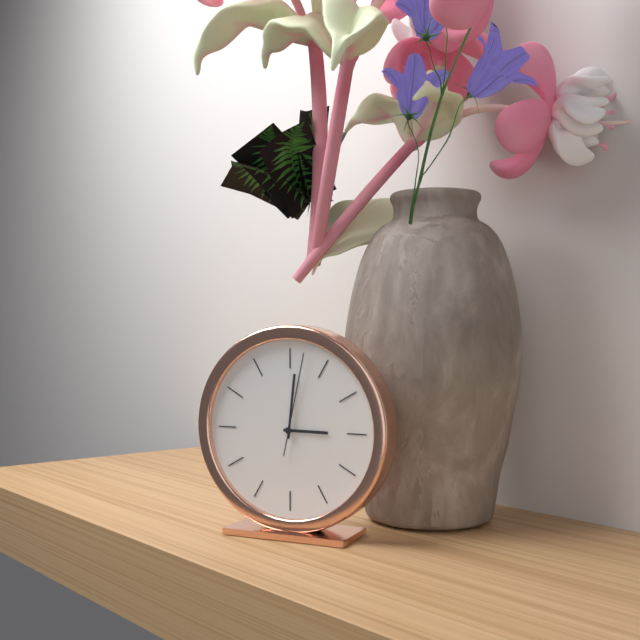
3:01:02
